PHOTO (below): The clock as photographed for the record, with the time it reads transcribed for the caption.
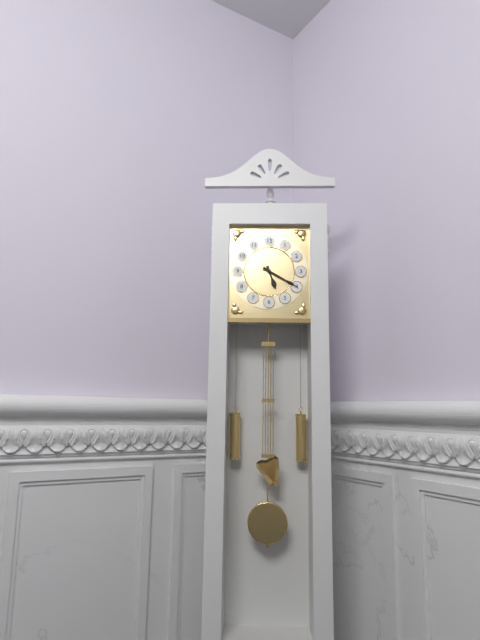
5:20
